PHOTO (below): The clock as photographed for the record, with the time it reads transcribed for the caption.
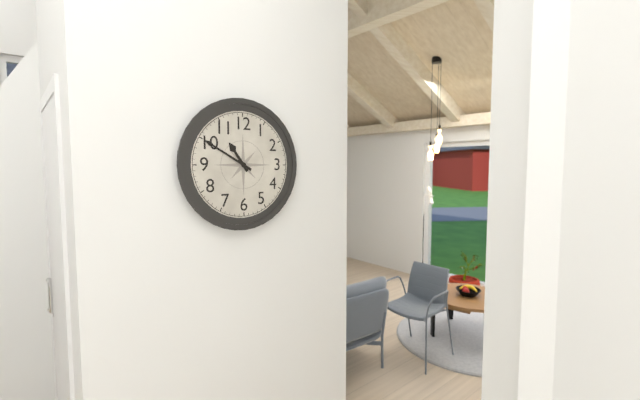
10:50
